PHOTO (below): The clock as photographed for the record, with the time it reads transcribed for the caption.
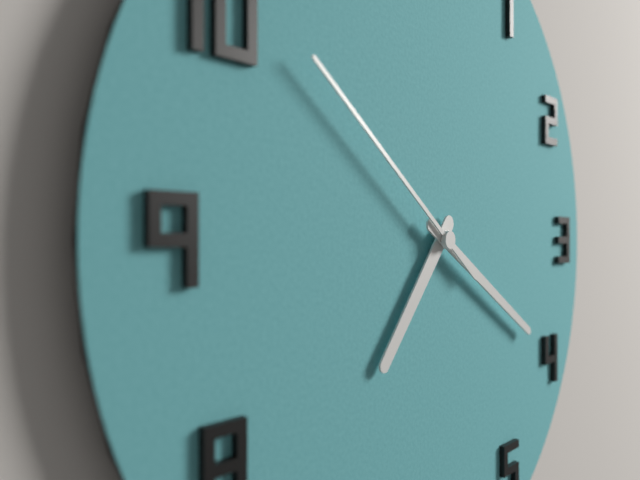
7:20:51
